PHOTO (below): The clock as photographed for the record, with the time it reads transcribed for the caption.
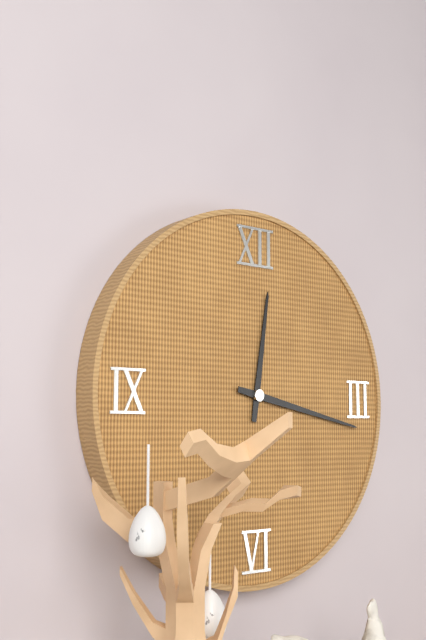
12:17
